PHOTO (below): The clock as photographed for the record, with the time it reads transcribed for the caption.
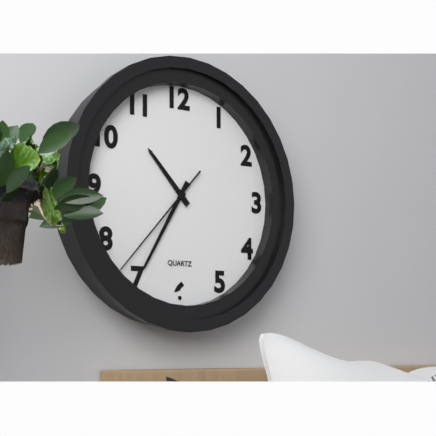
10:35:37
